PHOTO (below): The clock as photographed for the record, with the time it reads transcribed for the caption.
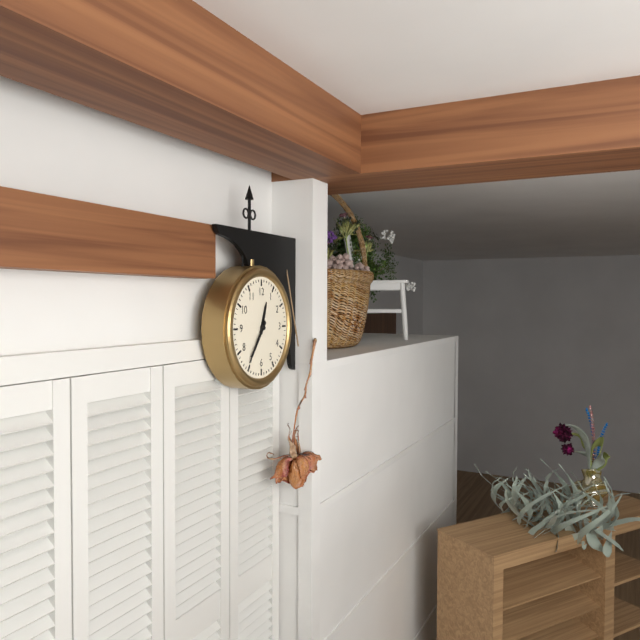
12:36
